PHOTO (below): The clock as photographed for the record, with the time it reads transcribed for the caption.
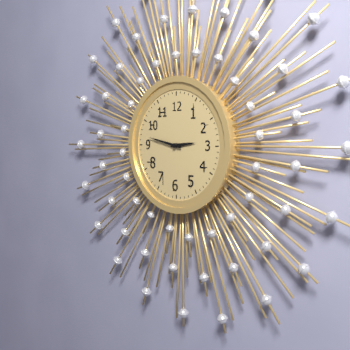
2:47
